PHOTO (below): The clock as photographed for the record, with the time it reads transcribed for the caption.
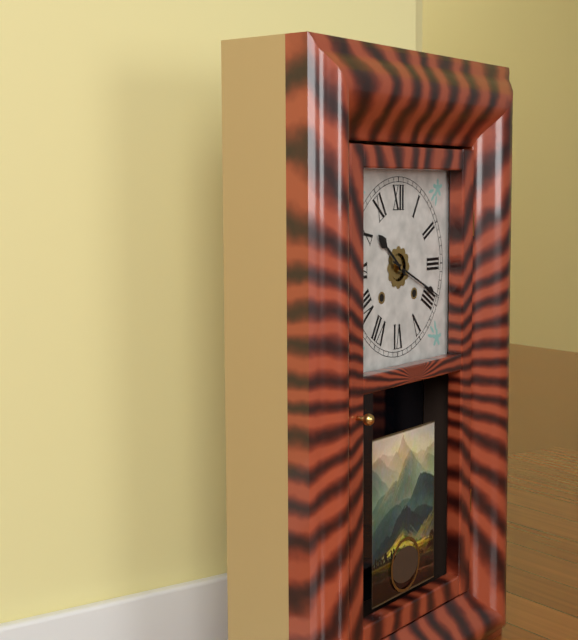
10:19
